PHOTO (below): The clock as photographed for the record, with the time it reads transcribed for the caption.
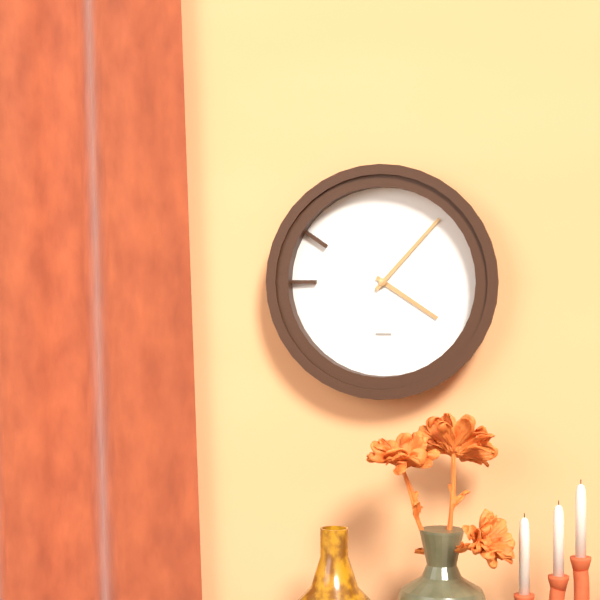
4:07
